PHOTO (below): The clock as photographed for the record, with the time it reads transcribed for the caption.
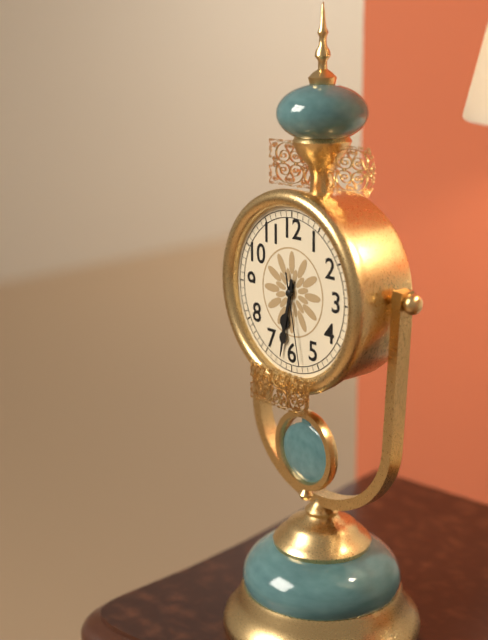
6:32:28
